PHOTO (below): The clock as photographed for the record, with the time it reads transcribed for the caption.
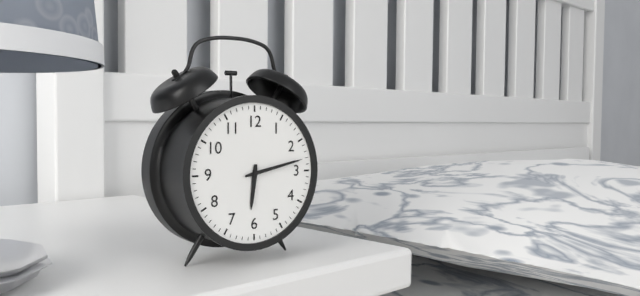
6:13
